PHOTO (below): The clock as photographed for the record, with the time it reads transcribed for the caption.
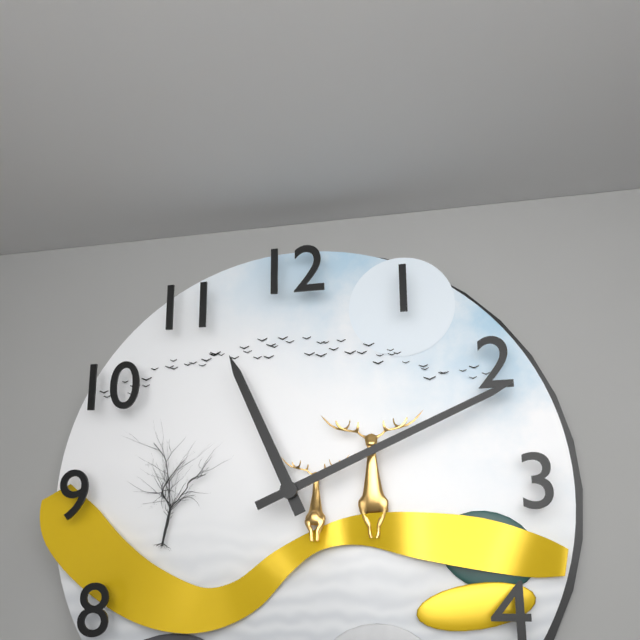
11:11
